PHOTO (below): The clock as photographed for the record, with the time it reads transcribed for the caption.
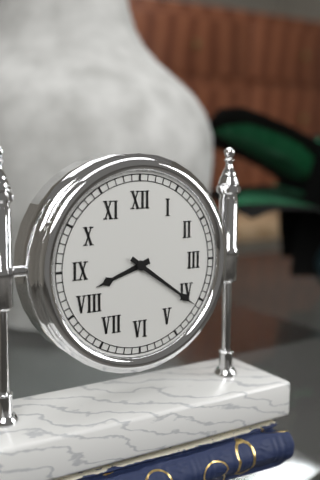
8:21
